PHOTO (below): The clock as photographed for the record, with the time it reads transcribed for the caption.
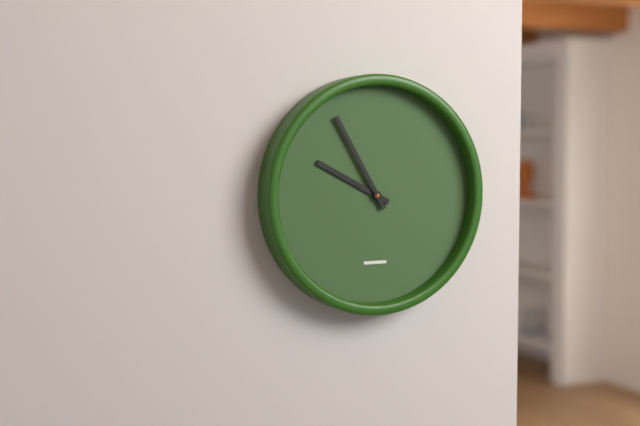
9:55
